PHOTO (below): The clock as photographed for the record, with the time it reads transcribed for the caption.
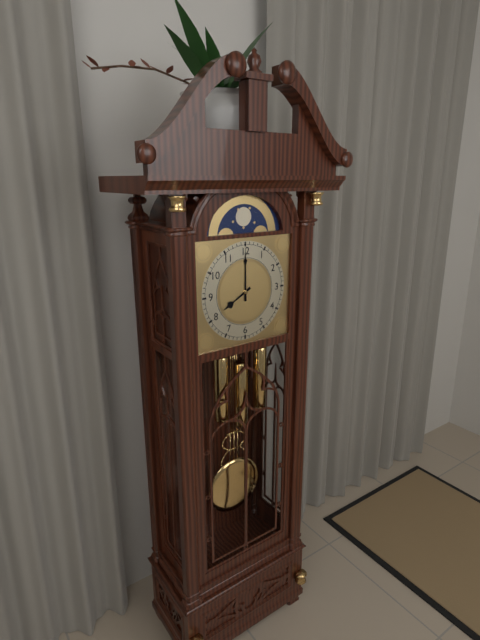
8:00
